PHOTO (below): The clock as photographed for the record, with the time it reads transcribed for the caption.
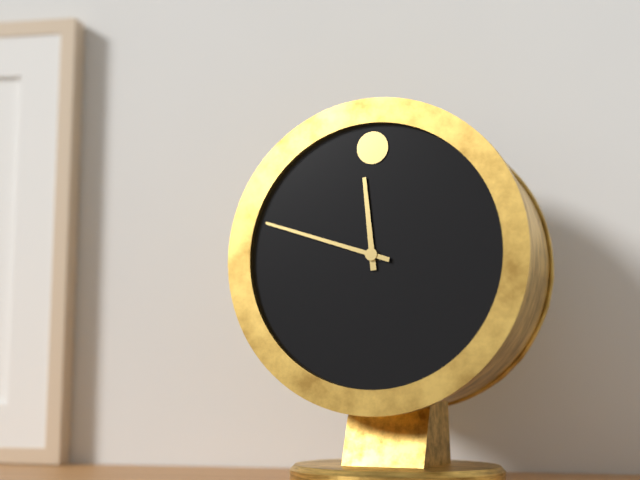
11:48
